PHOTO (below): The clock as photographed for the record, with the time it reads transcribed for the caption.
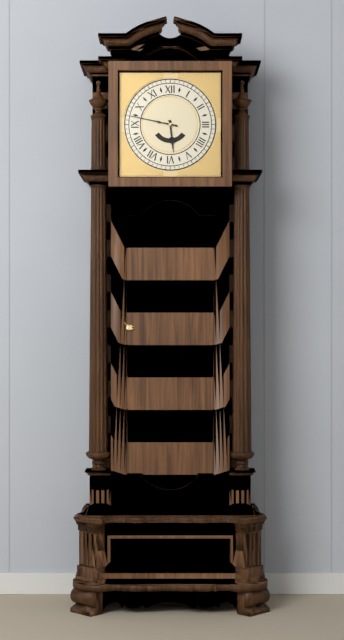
5:47
